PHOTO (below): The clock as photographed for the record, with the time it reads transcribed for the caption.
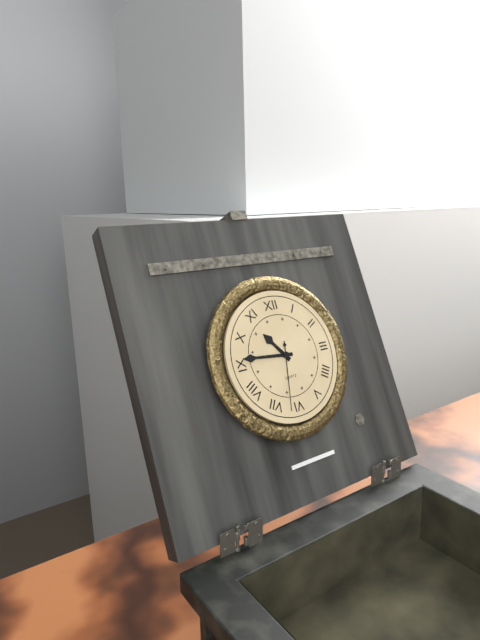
10:46:32
